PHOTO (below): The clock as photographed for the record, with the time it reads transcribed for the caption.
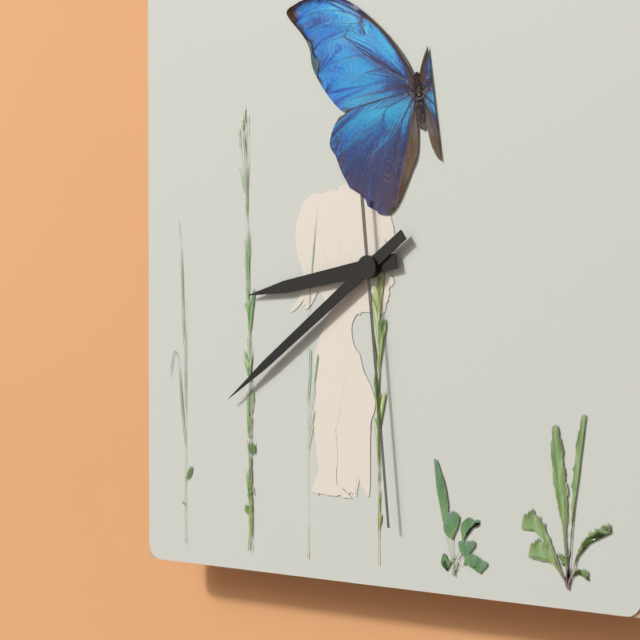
8:39:29
